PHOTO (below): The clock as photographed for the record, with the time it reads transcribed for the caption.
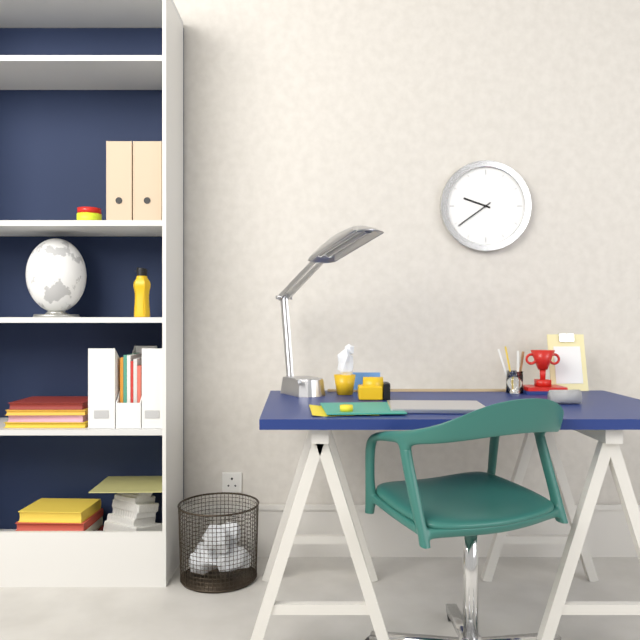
9:39
